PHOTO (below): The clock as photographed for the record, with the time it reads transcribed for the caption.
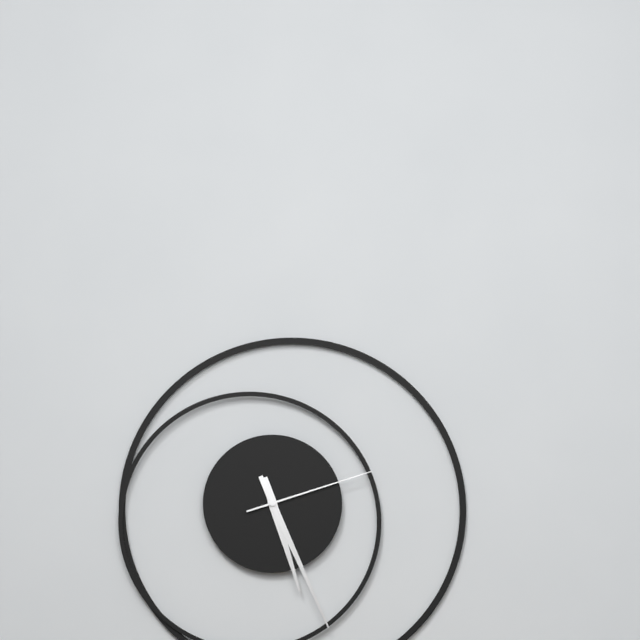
5:26:12
